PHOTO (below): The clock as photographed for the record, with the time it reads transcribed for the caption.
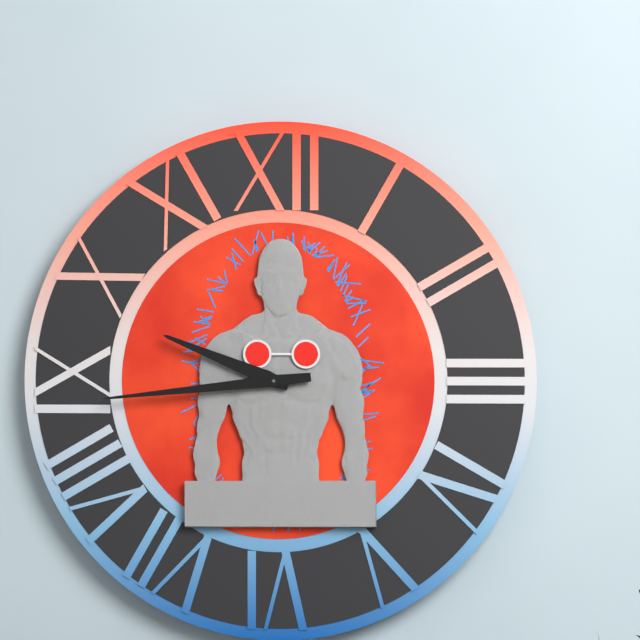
9:44
